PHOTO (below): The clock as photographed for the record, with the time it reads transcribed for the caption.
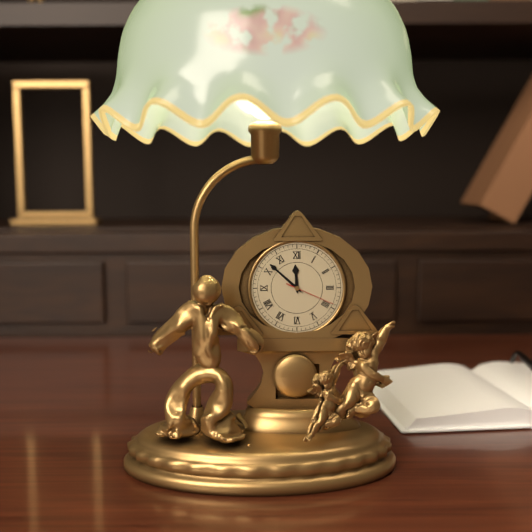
11:52:19
